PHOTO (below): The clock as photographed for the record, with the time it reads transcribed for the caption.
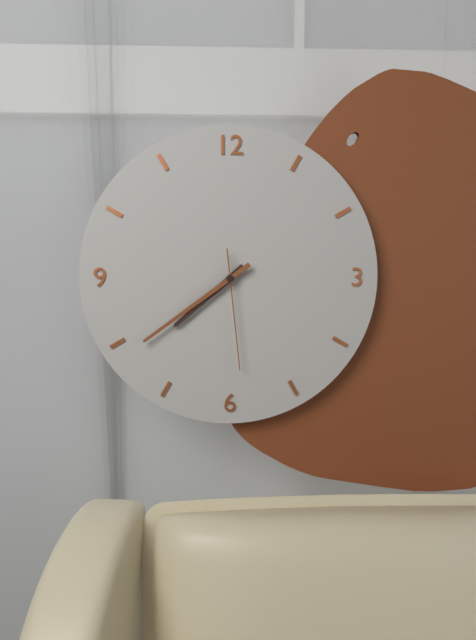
7:39:29
